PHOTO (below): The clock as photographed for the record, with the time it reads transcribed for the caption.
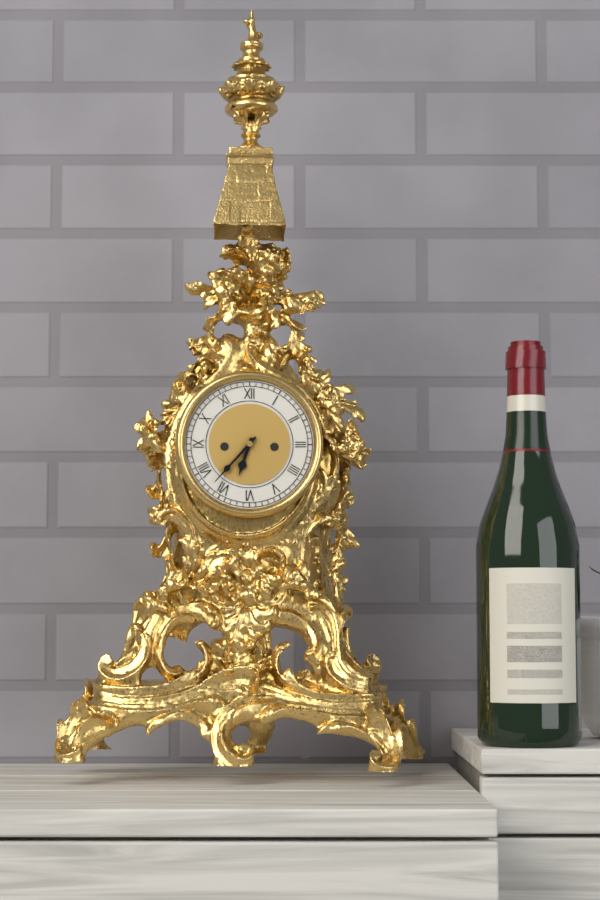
6:37
